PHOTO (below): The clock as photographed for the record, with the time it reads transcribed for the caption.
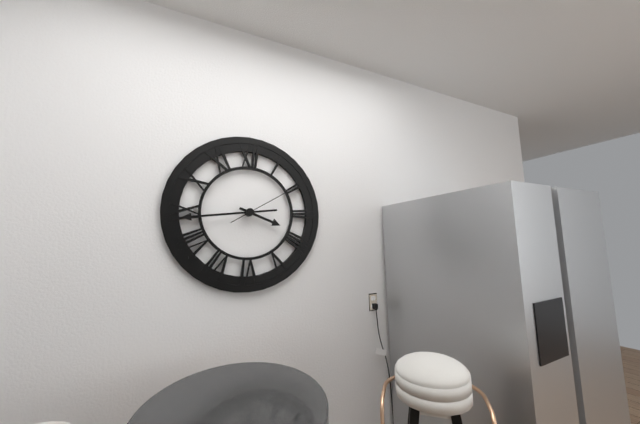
3:44:10
